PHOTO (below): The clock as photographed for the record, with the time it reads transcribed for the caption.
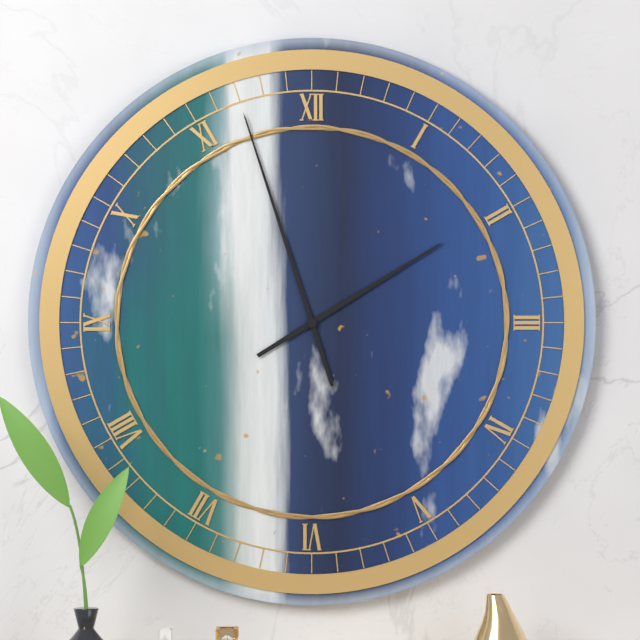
1:57
